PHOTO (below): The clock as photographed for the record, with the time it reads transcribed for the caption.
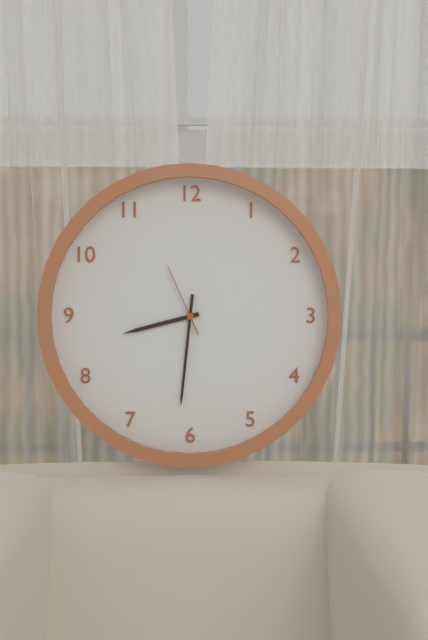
8:31:56
